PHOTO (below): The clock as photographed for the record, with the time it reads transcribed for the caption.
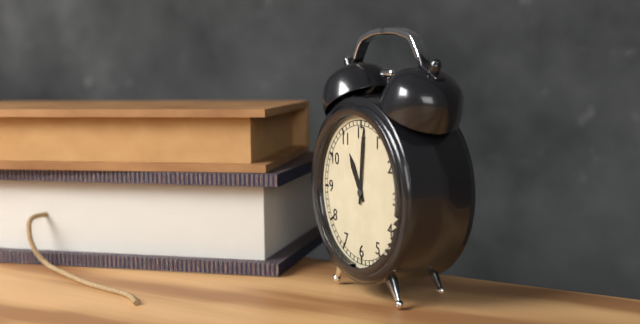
11:01
